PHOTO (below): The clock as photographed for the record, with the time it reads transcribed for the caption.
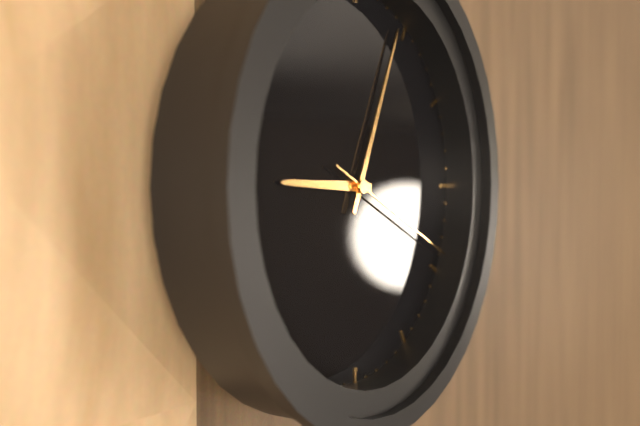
9:04:19
